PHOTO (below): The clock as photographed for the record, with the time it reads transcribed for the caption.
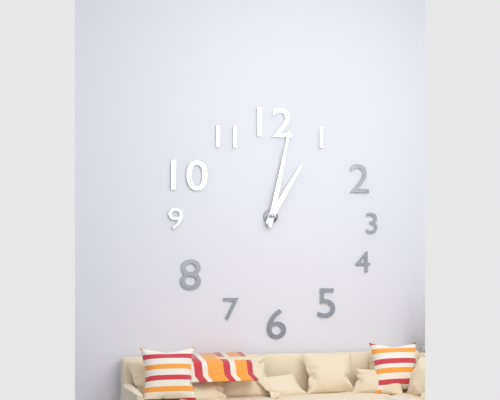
1:02
